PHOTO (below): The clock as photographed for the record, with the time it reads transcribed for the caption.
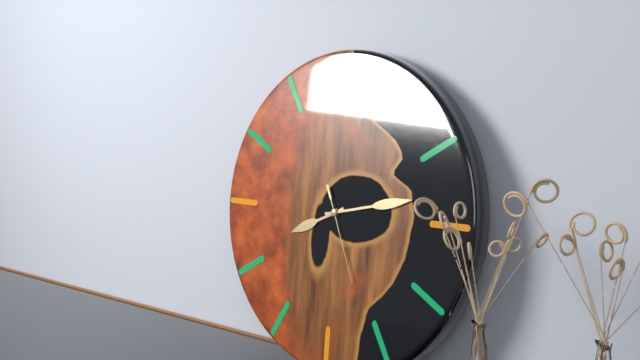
8:13:26
